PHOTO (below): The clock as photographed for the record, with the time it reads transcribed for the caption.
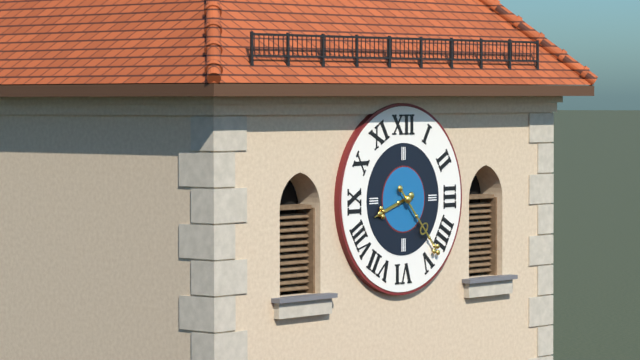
8:23
